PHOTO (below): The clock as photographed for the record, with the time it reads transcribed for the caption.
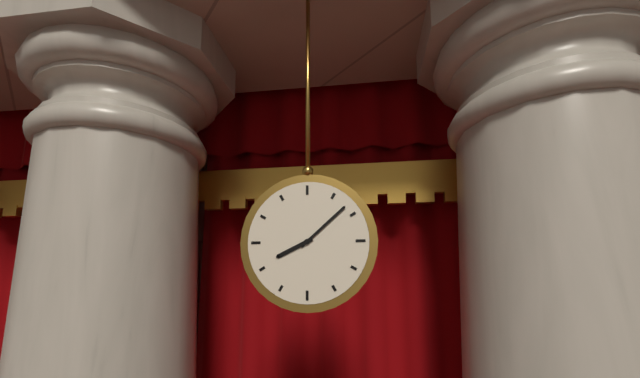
8:08
